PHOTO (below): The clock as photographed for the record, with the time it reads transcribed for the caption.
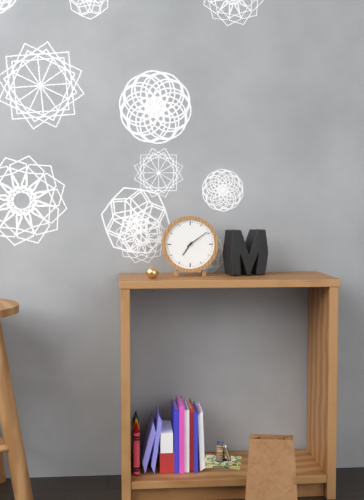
7:09
